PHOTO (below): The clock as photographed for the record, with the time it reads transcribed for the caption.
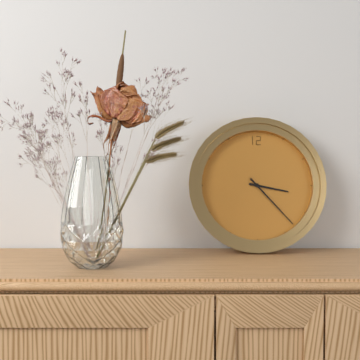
3:23
